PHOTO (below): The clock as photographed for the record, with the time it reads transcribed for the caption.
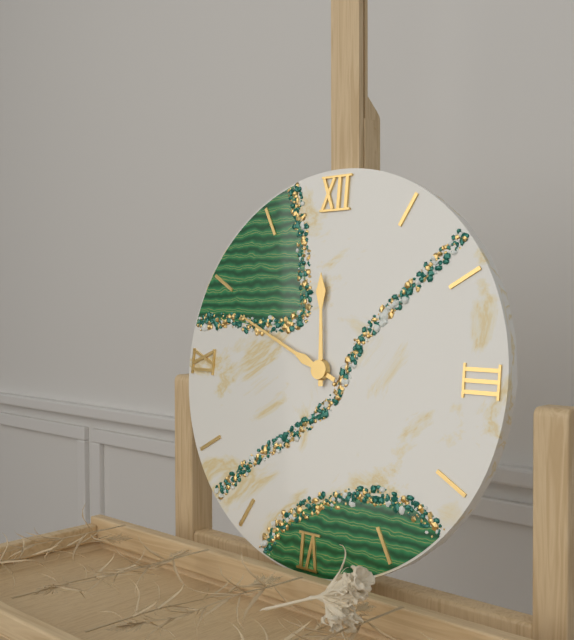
11:49
